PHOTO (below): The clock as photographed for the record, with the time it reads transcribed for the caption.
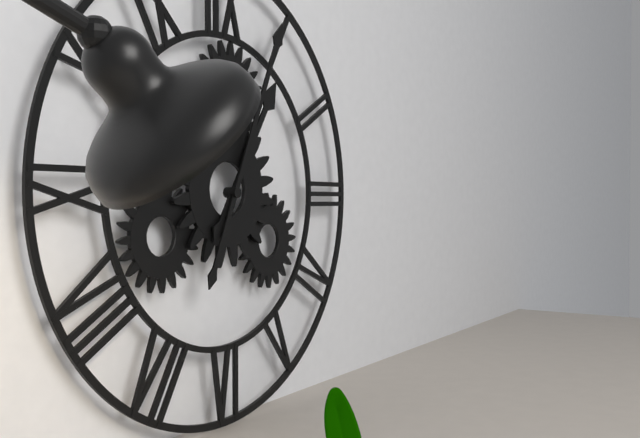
1:04
